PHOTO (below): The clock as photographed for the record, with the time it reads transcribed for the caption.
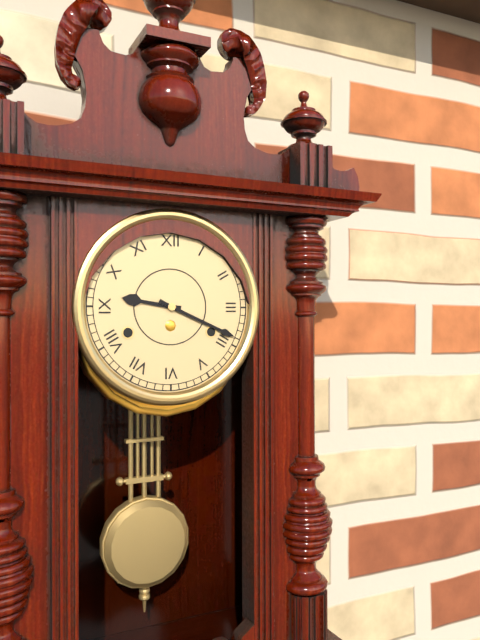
9:19
